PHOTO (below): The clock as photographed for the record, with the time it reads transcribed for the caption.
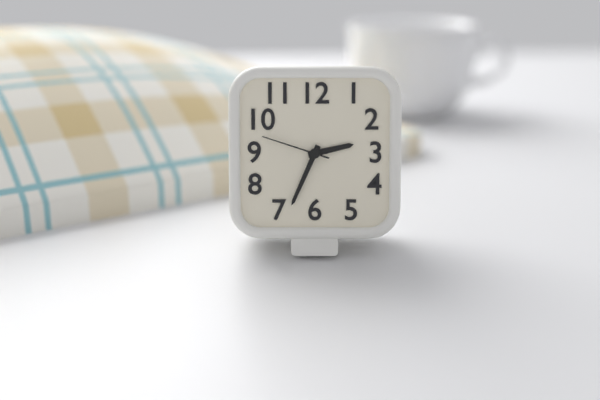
2:34:48
